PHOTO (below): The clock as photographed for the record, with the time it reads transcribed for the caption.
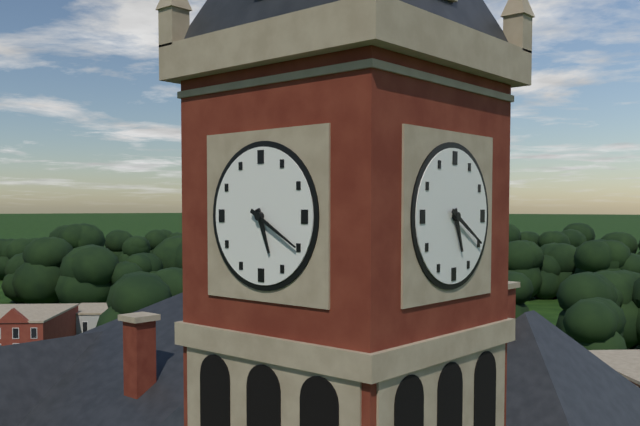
5:20
